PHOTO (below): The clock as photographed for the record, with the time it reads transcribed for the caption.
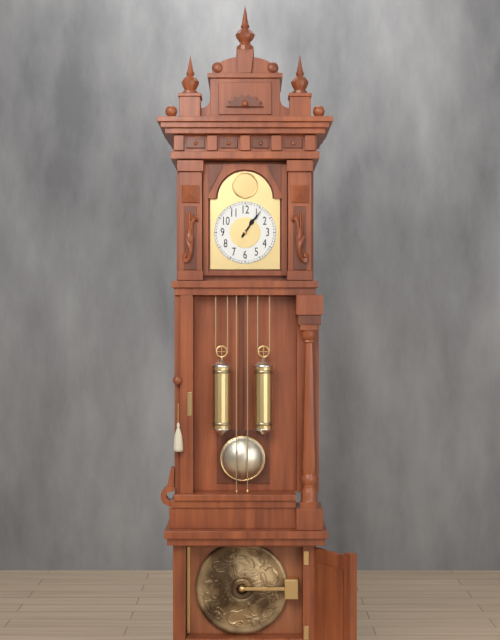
1:06
